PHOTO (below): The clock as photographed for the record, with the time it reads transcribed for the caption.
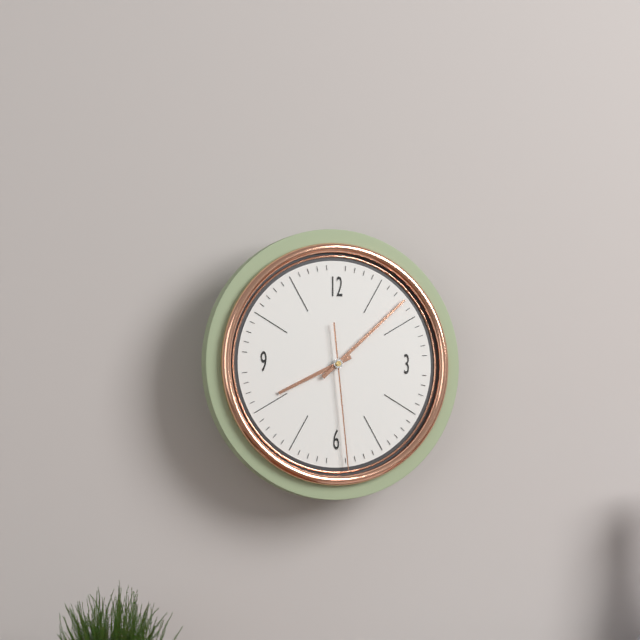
8:08:29
